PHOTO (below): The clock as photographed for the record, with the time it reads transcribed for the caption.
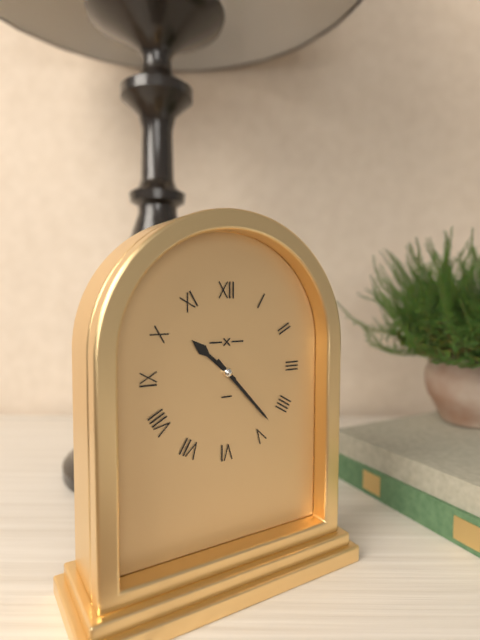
10:23
